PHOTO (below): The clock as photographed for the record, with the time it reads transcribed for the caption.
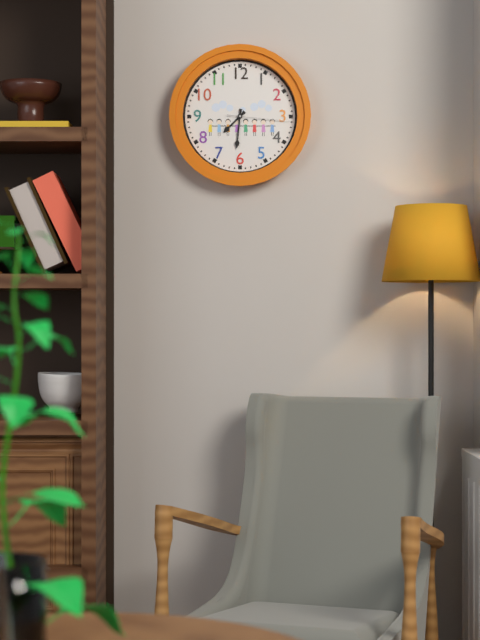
7:31:16
